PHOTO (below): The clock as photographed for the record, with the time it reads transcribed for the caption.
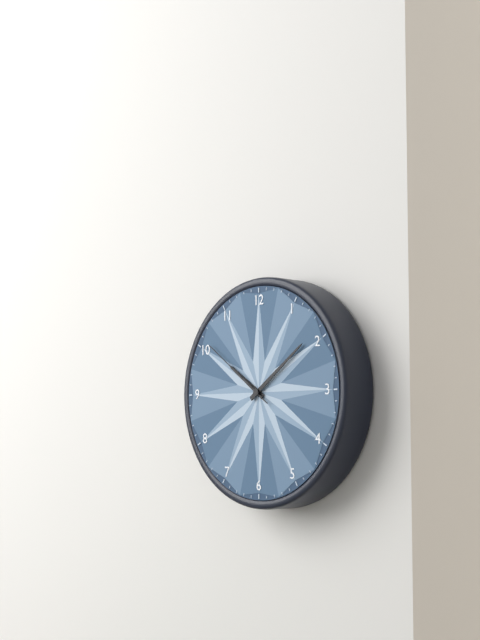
10:09:51
